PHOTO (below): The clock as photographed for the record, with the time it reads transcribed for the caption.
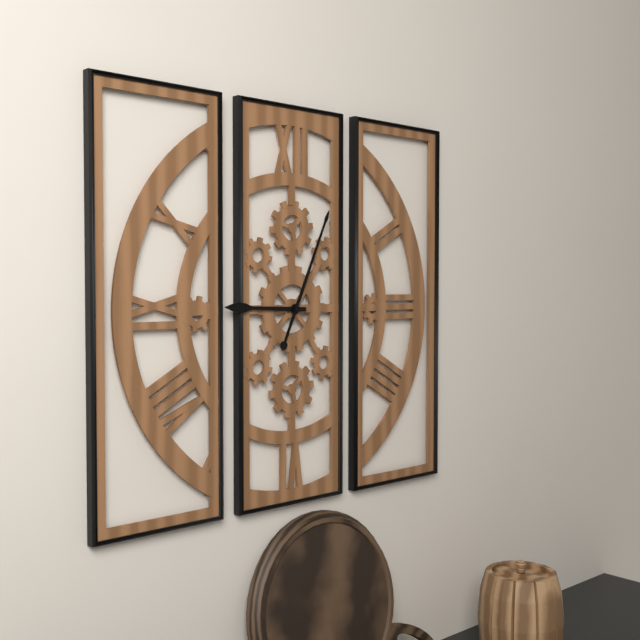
9:04
